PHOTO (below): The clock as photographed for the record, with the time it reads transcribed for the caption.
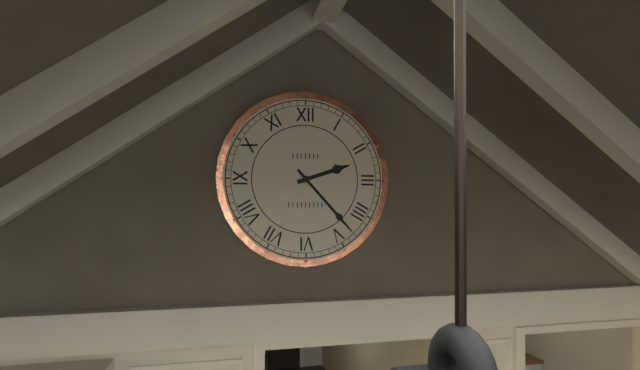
2:23
